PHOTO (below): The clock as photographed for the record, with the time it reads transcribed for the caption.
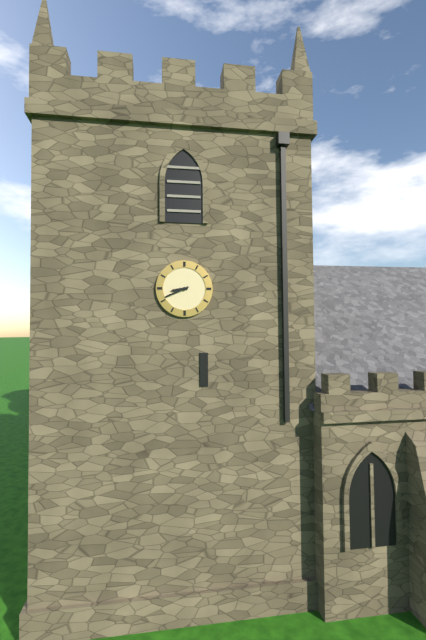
8:41
